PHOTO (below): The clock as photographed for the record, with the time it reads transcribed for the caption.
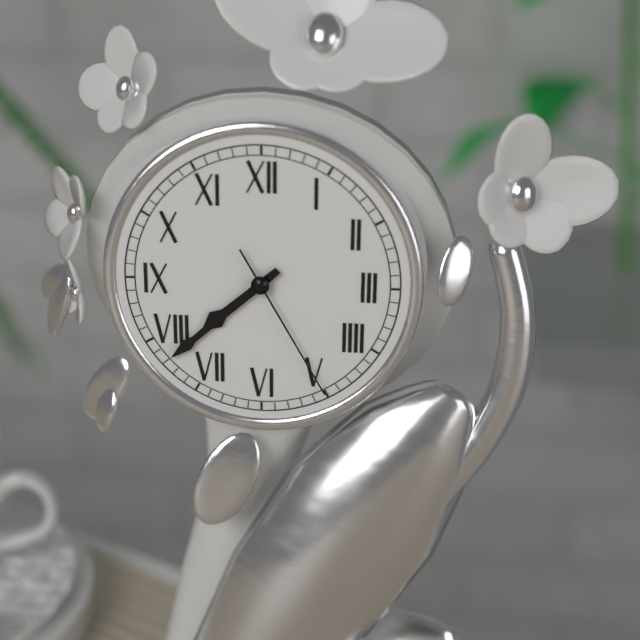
7:38:25
